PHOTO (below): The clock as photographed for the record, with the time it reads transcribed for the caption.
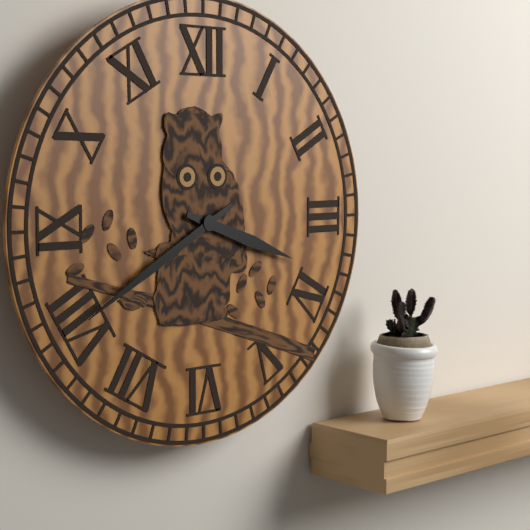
3:40
